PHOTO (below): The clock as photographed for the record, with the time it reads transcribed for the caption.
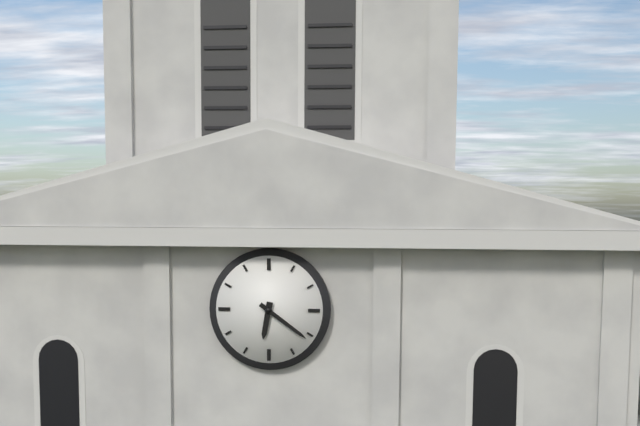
6:21
